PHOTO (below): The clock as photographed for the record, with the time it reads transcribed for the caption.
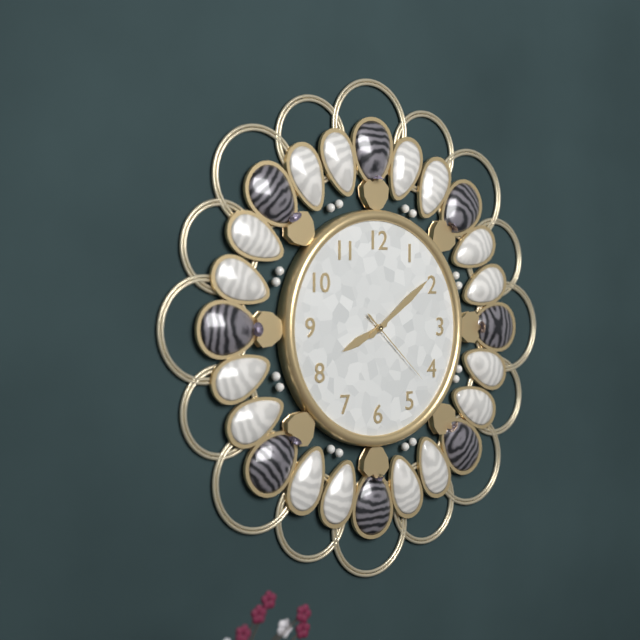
8:09:22
